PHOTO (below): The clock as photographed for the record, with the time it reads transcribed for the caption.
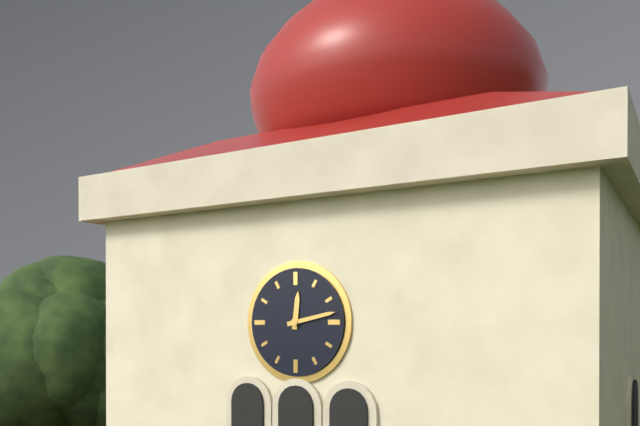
12:13
